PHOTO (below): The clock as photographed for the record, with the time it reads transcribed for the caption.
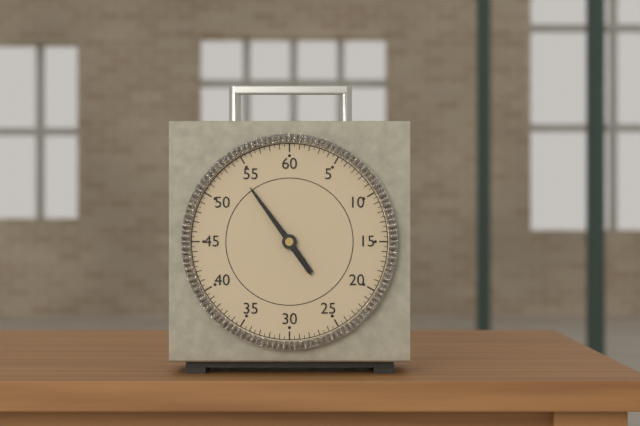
4:54
